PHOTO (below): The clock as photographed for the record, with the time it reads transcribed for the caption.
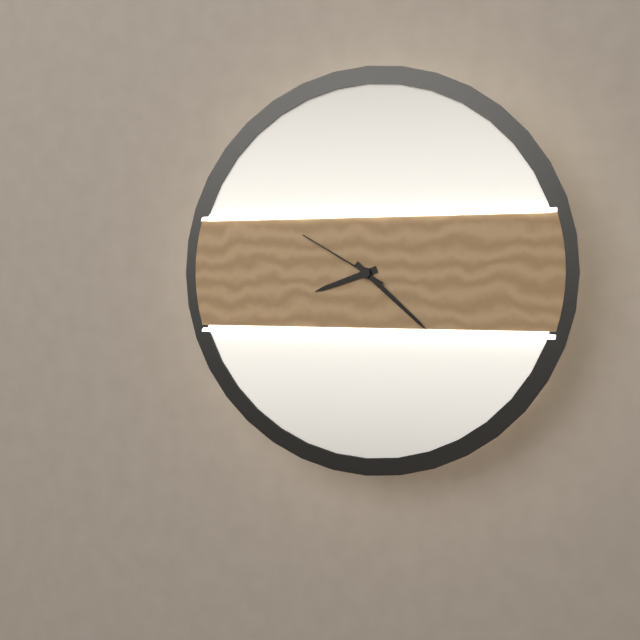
8:22:50
